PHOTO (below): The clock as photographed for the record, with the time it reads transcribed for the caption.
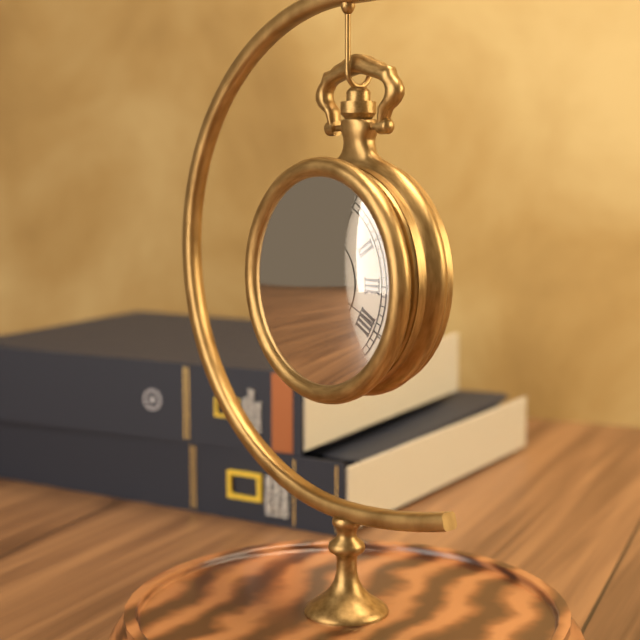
6:48:19
